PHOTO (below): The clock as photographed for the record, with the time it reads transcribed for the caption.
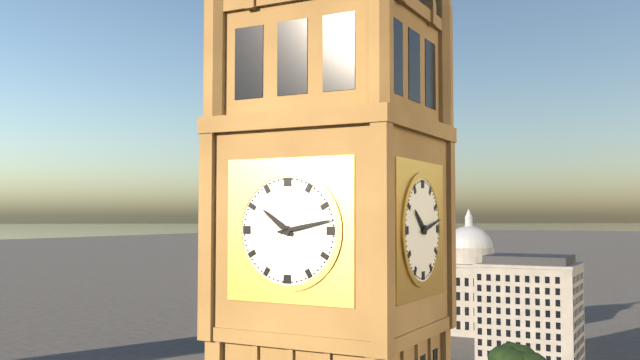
10:13
